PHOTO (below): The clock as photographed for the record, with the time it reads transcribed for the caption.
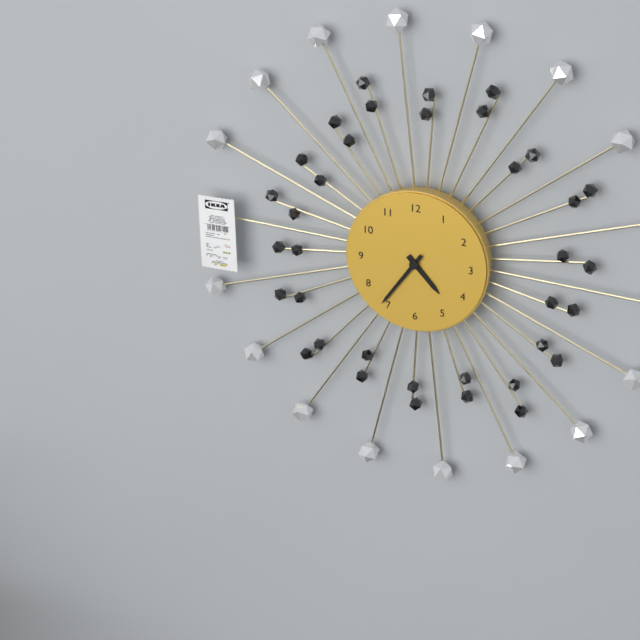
4:36
